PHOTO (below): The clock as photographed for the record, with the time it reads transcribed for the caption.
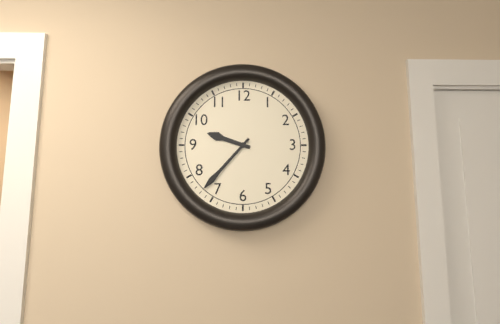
9:37
